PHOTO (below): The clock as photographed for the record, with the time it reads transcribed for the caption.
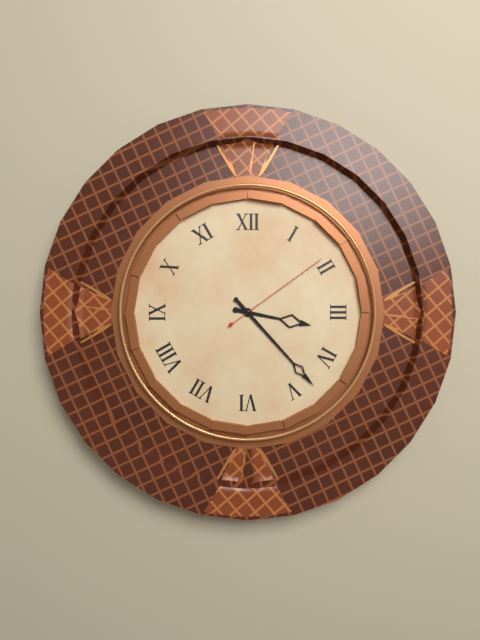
3:23:09
